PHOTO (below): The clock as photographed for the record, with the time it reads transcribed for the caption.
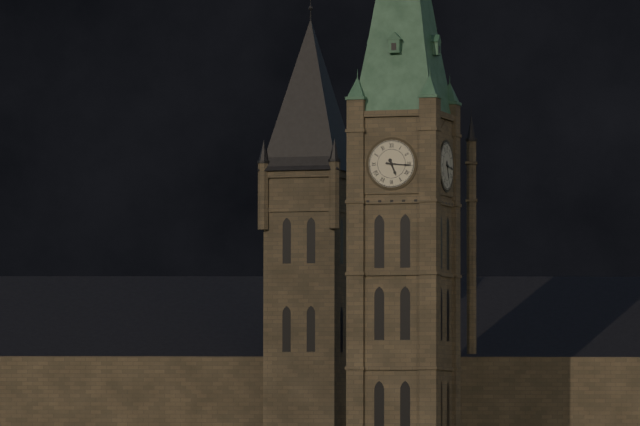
5:16
